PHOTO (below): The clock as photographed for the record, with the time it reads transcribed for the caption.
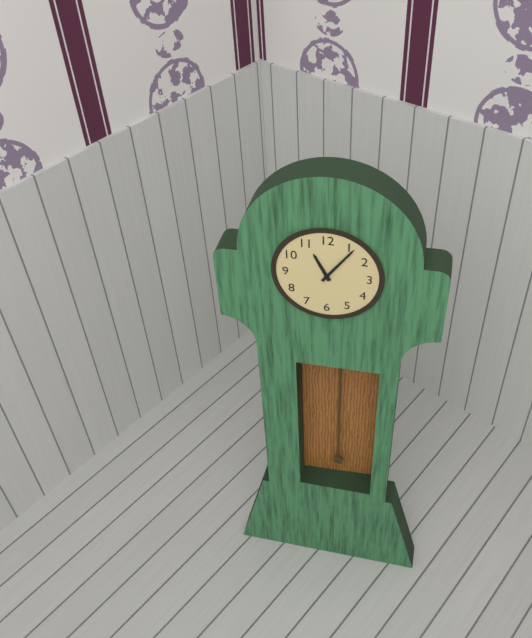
11:06
